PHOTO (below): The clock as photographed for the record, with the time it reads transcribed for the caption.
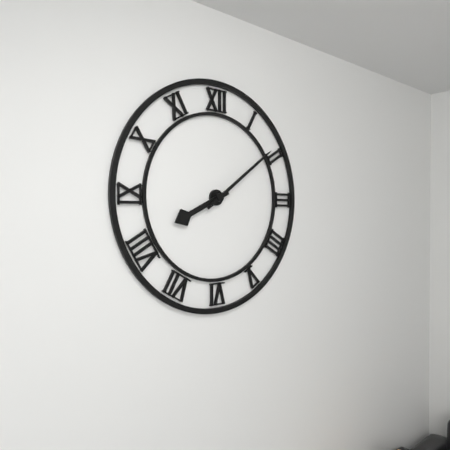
8:09
